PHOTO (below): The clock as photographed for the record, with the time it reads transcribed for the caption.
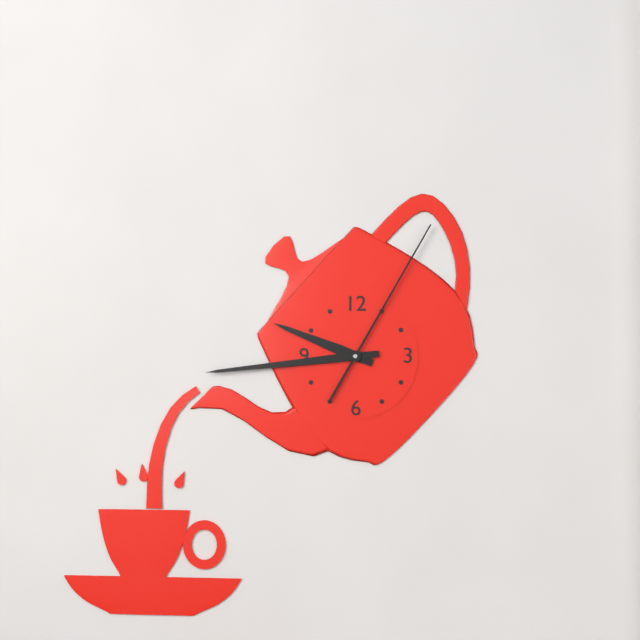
9:44:05
